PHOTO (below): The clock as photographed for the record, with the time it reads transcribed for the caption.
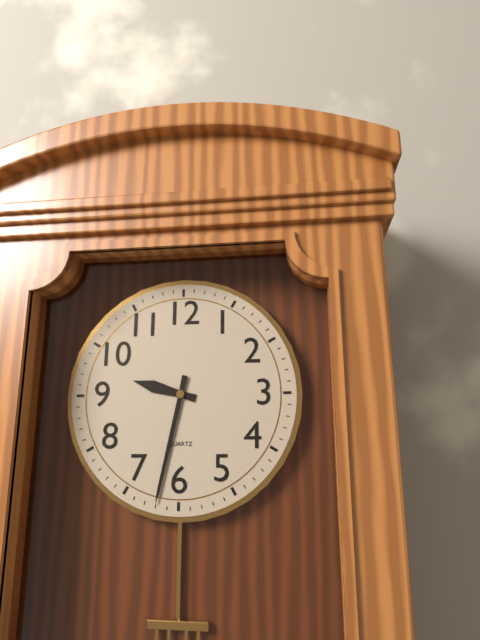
9:32
